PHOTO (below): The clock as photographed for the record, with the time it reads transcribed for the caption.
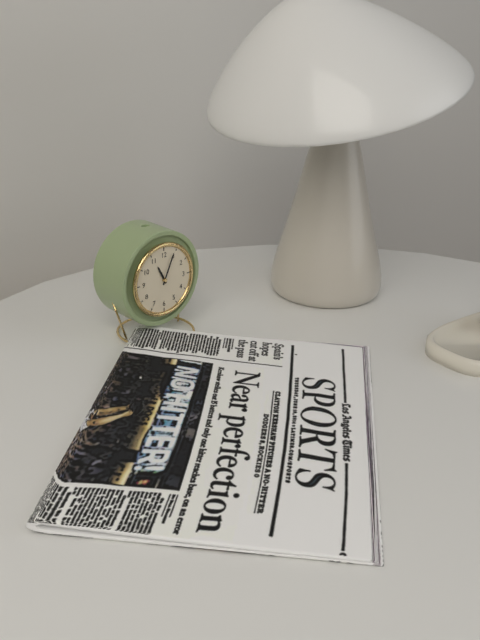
11:04
